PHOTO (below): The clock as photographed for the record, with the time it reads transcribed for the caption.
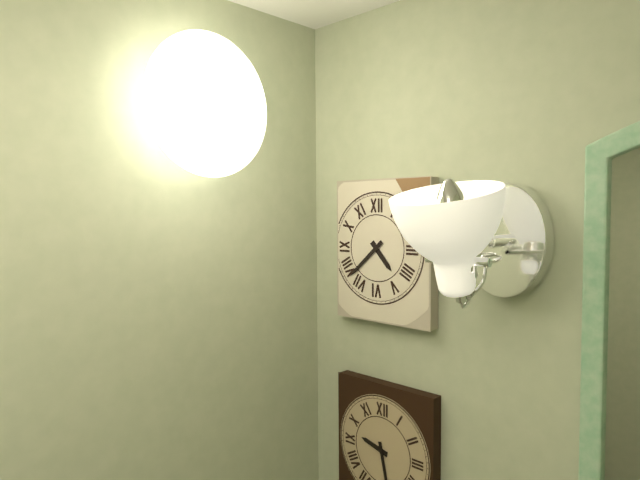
4:38
